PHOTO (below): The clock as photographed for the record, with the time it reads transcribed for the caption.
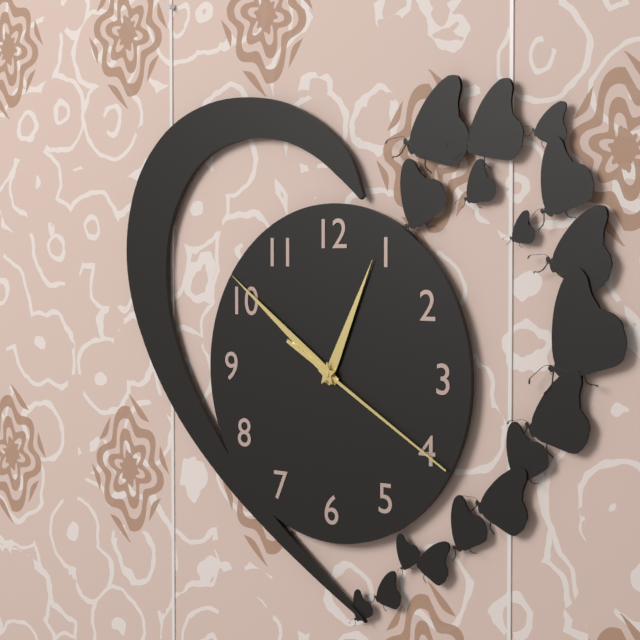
12:51:20
